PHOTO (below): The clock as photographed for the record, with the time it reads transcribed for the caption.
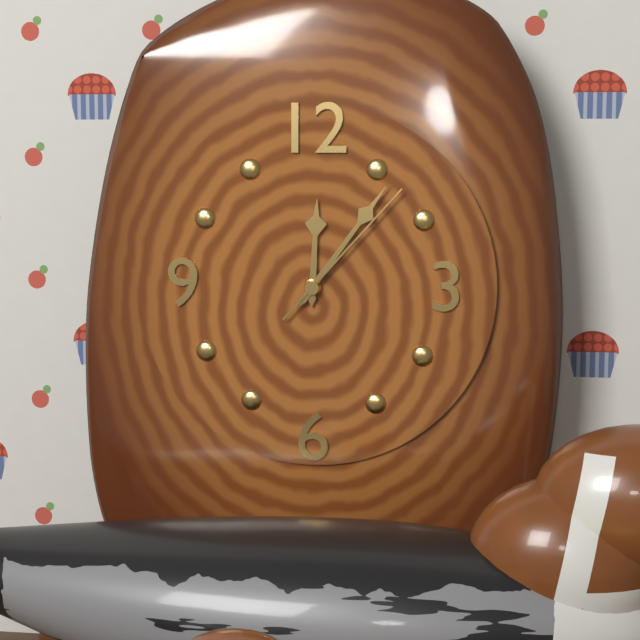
12:06:07
